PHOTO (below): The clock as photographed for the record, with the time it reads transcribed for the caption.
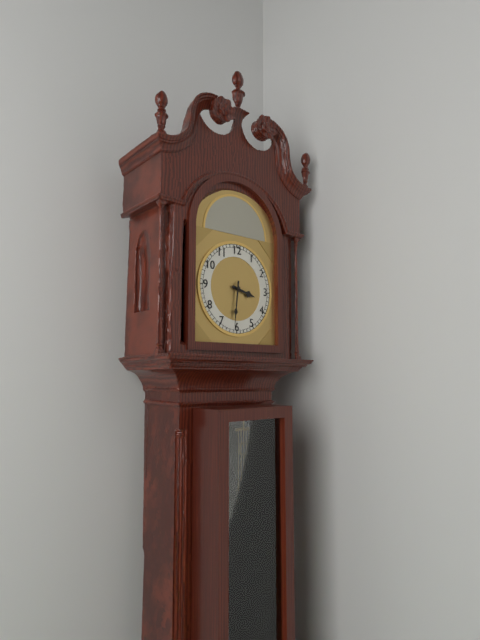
3:31
